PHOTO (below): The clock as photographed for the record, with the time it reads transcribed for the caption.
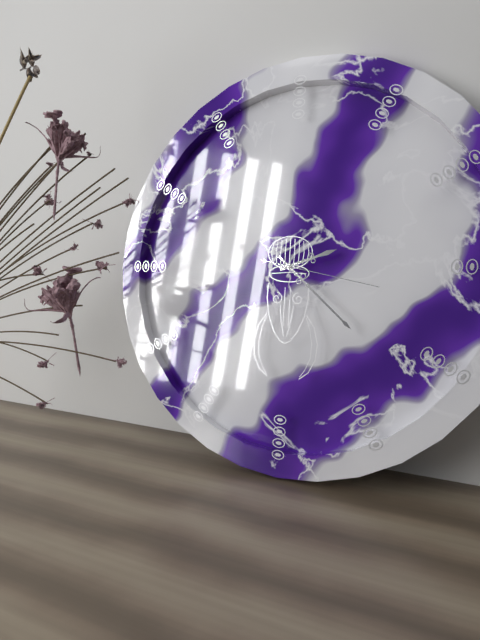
2:22:17
